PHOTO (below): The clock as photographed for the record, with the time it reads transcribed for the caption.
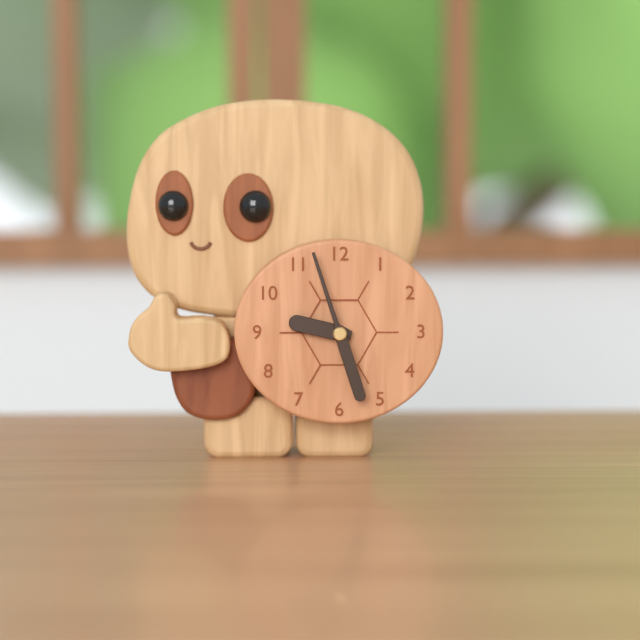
9:27
